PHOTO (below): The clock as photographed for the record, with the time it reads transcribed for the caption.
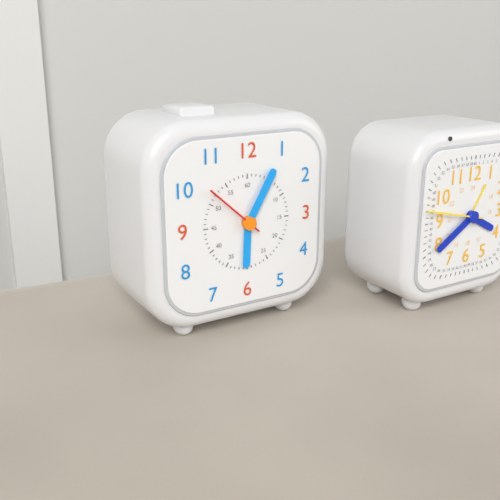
6:05:52
